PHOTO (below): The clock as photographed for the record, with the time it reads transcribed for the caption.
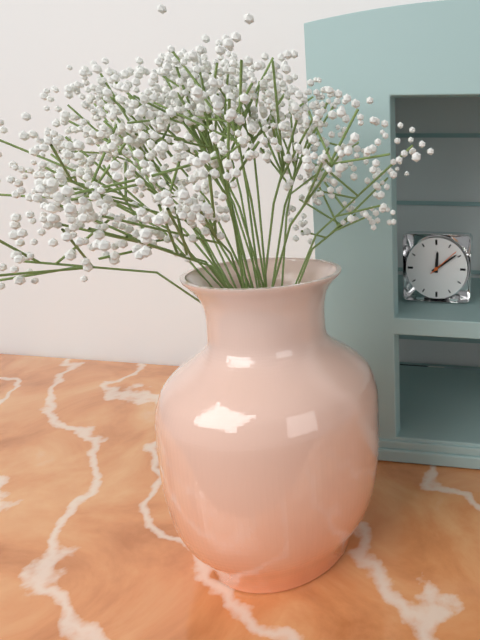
12:09
